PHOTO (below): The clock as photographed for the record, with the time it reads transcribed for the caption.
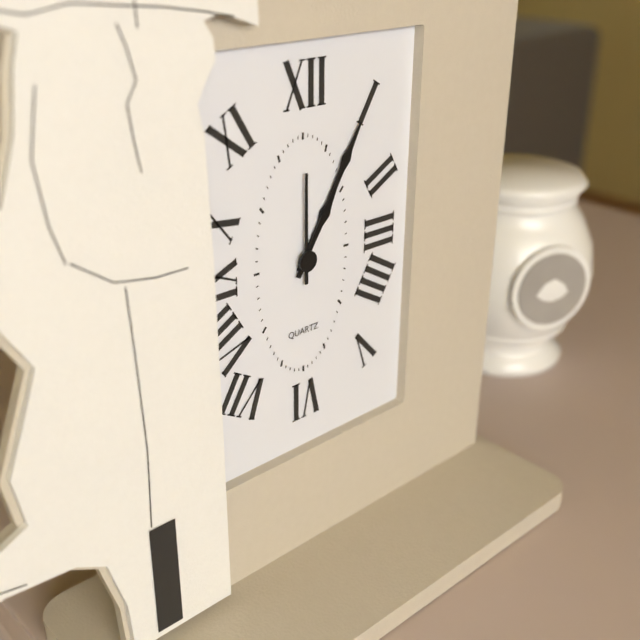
1:05:00
